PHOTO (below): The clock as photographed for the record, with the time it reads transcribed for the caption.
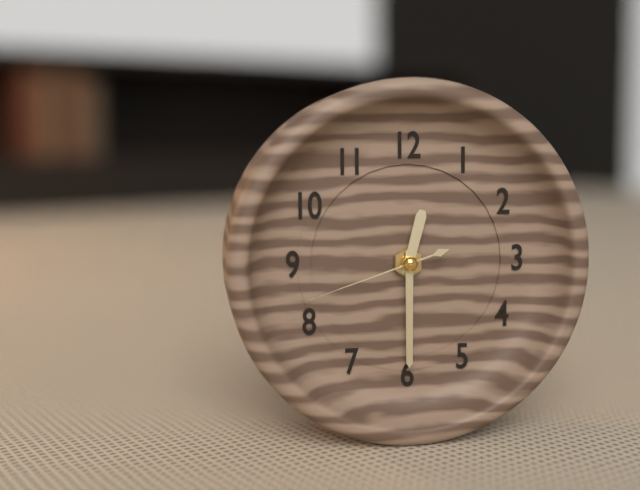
12:30:42
